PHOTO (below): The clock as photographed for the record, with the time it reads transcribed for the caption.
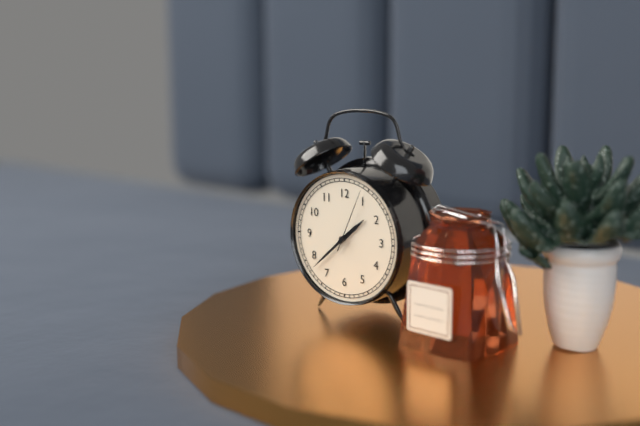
1:38:04
